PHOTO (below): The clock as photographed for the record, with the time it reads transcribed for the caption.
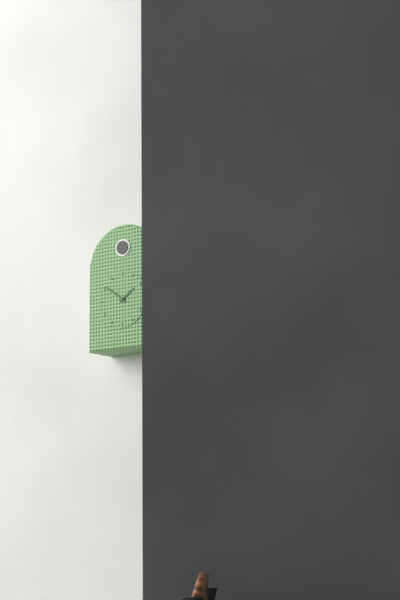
1:51
